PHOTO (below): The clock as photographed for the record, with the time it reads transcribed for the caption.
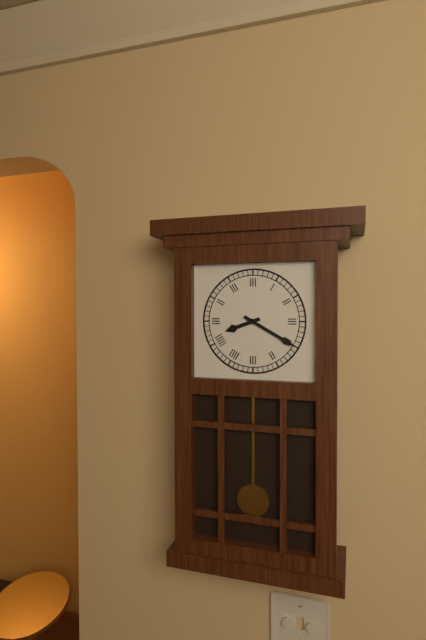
8:20
